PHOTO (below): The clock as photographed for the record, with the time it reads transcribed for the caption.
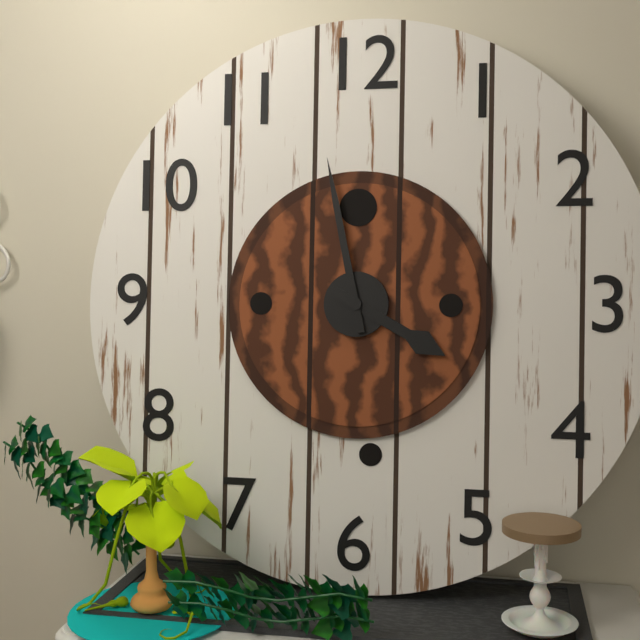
3:58
